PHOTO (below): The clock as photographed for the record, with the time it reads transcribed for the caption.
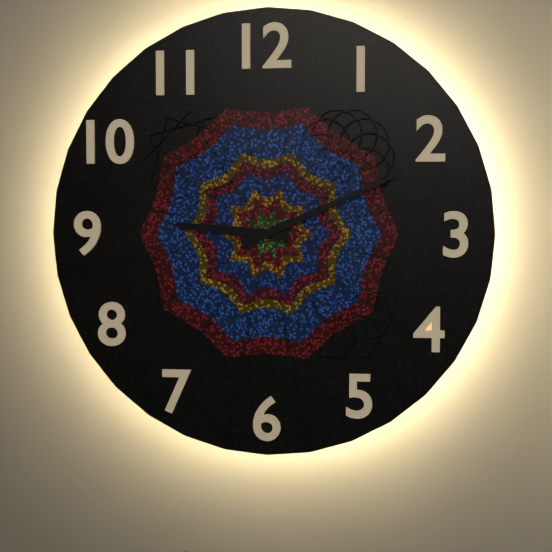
9:11
